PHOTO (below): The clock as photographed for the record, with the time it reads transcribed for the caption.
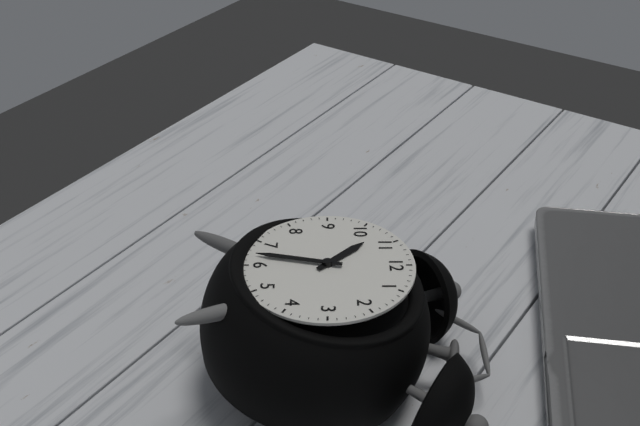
10:32
